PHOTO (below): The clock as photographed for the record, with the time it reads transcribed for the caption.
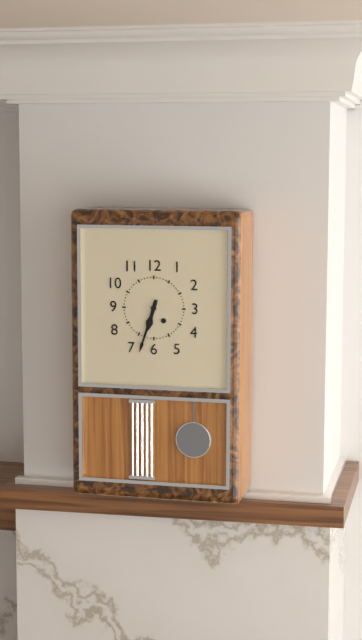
6:33
